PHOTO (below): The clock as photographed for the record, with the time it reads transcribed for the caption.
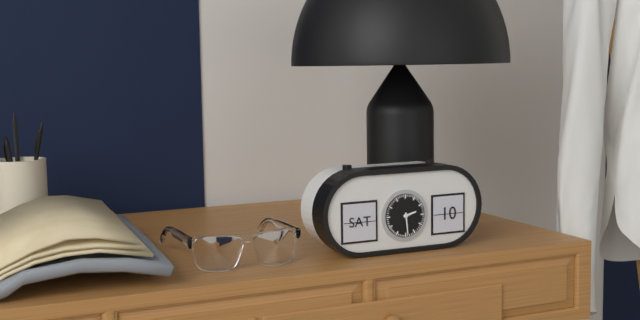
2:29
